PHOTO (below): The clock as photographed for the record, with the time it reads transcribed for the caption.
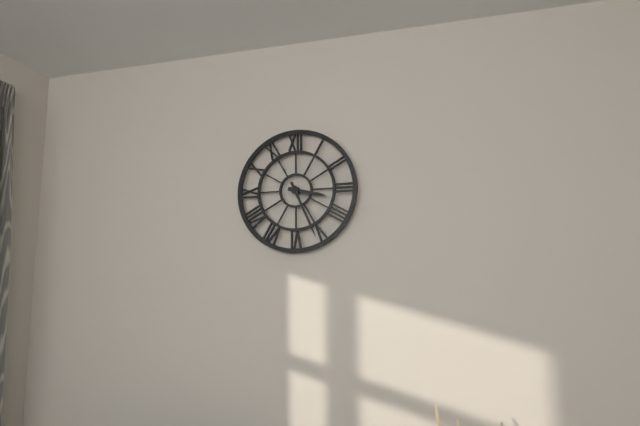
3:26
